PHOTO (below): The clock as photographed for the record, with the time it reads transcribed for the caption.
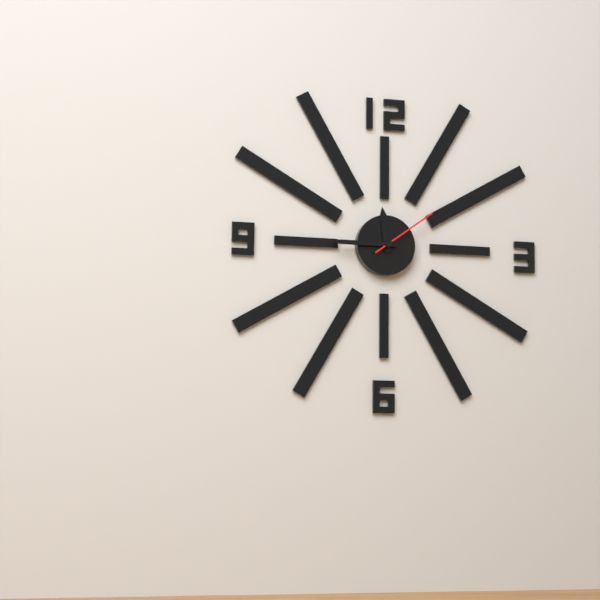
11:45:09
